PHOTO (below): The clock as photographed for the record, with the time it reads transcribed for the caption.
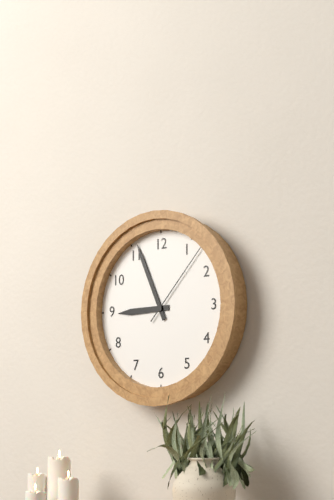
8:56:07
